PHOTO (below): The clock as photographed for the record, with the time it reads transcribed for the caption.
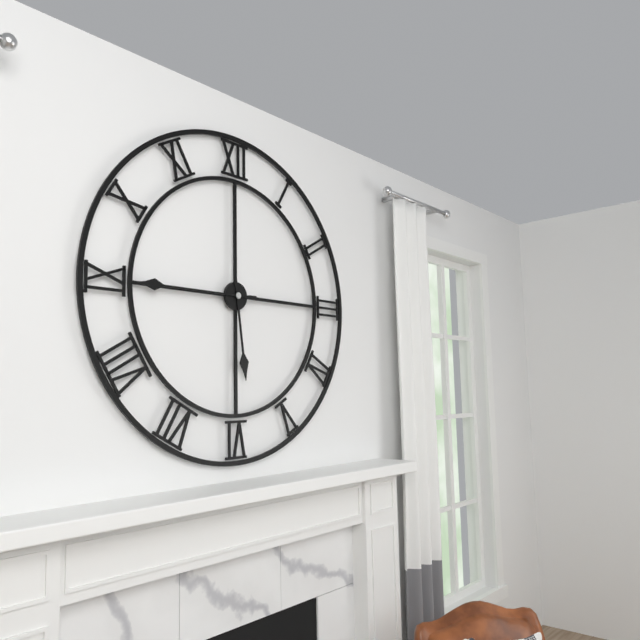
5:45
